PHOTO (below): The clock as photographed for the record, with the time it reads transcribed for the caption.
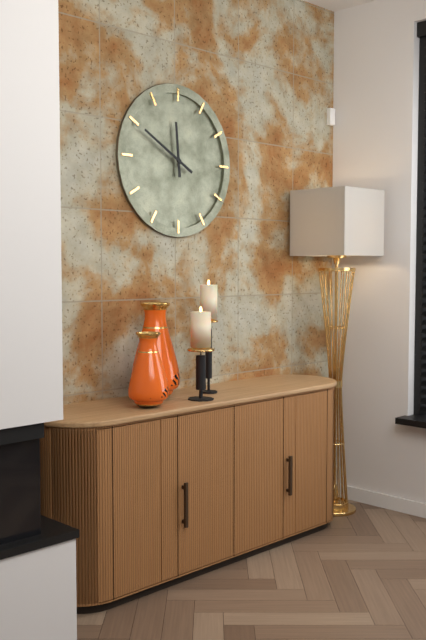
11:50
